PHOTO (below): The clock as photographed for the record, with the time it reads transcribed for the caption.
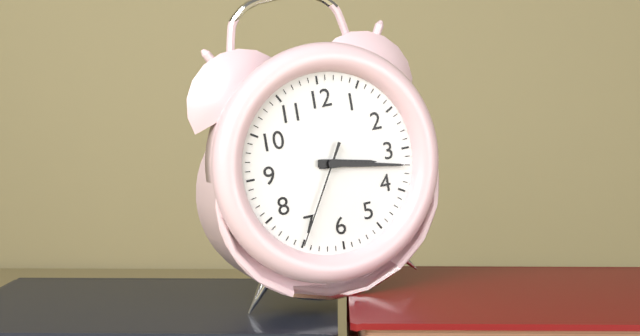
3:17:35
